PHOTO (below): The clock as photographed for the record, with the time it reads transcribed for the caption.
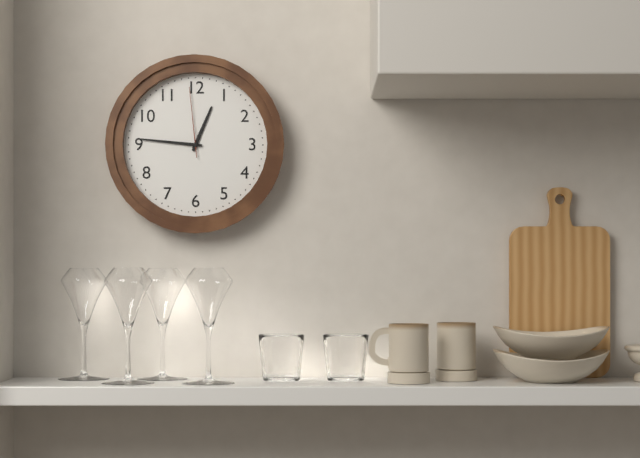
12:46:59
